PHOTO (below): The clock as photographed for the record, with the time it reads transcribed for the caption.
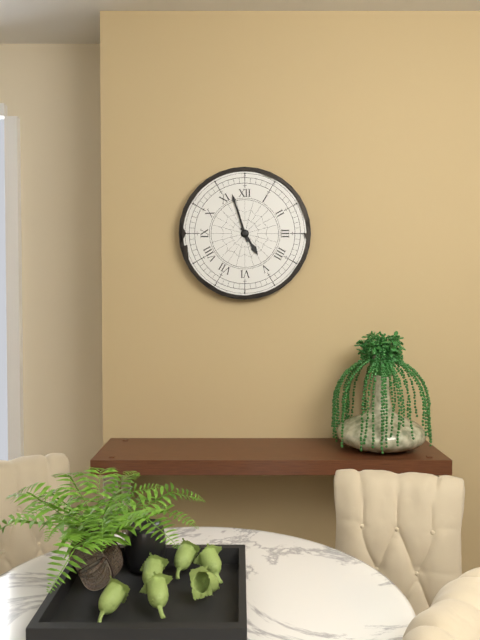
4:57
